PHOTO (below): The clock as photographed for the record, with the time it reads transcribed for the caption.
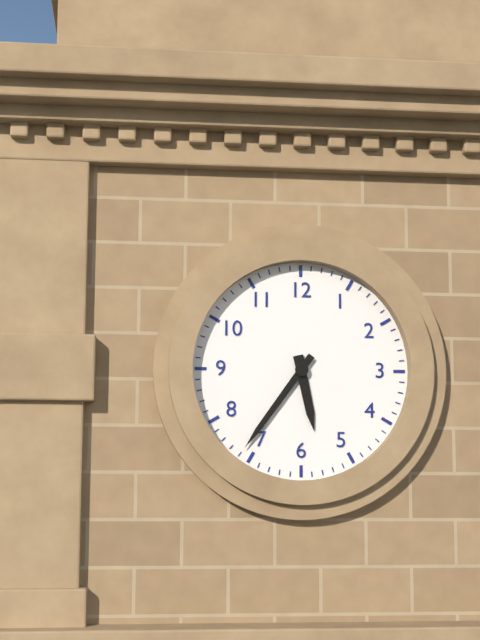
5:36
